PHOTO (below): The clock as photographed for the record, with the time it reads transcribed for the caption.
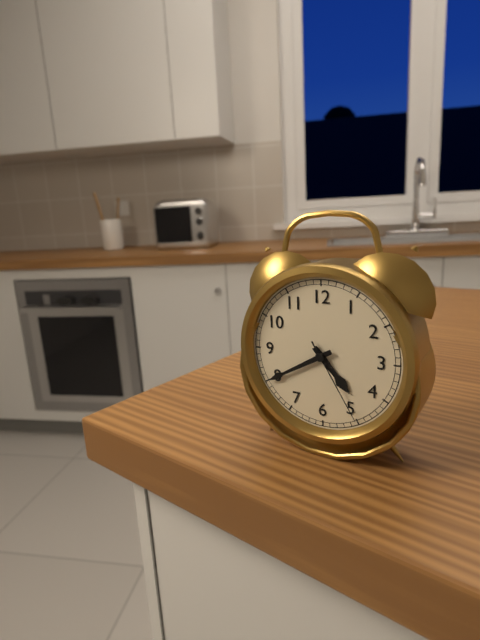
4:40:25
